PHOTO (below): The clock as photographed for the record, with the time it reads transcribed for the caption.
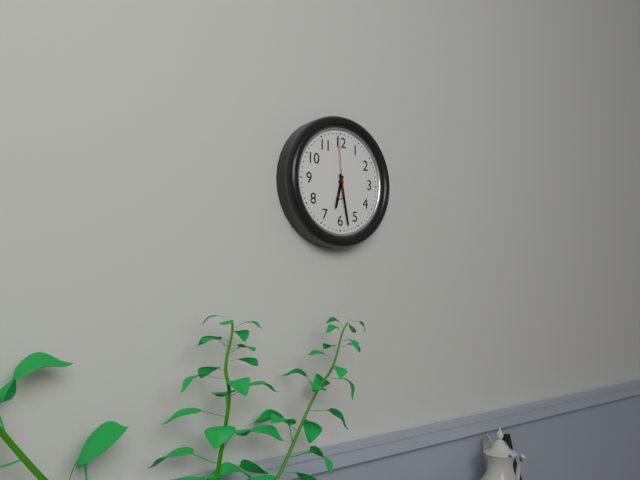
6:28:59
